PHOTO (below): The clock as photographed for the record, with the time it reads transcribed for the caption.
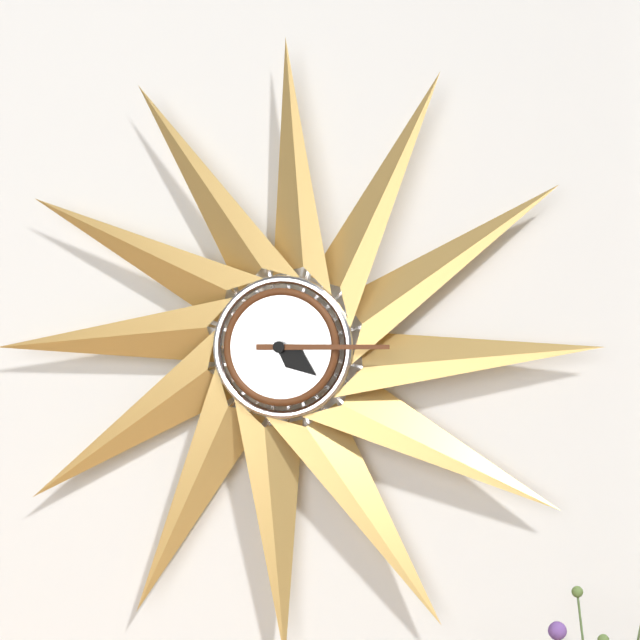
4:15
